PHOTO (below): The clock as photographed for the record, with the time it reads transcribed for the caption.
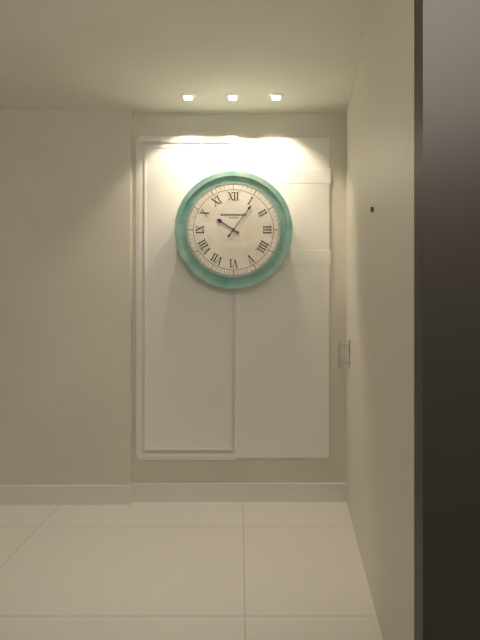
10:06
